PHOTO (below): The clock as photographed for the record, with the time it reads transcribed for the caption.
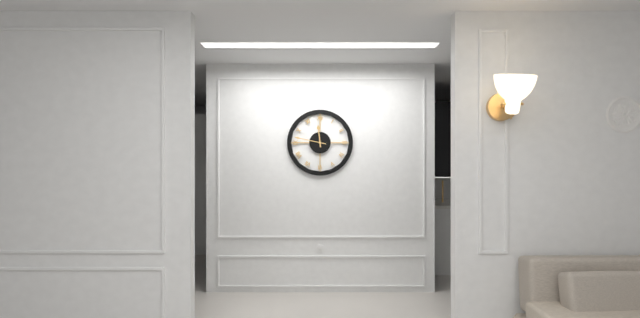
11:47
